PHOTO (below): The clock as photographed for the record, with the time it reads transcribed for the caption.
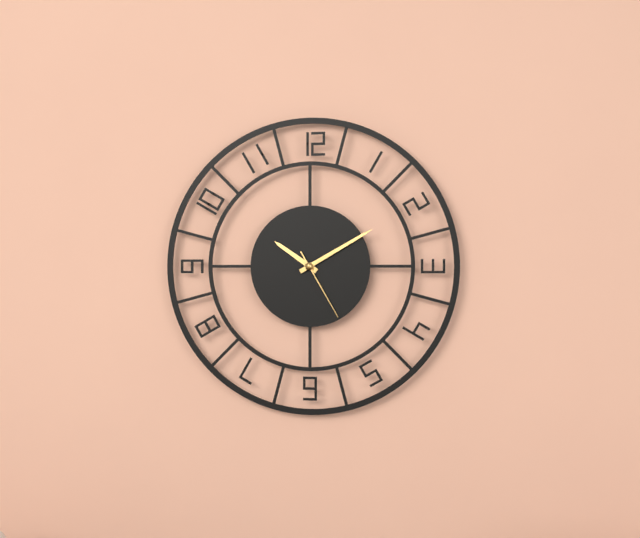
10:10:25
